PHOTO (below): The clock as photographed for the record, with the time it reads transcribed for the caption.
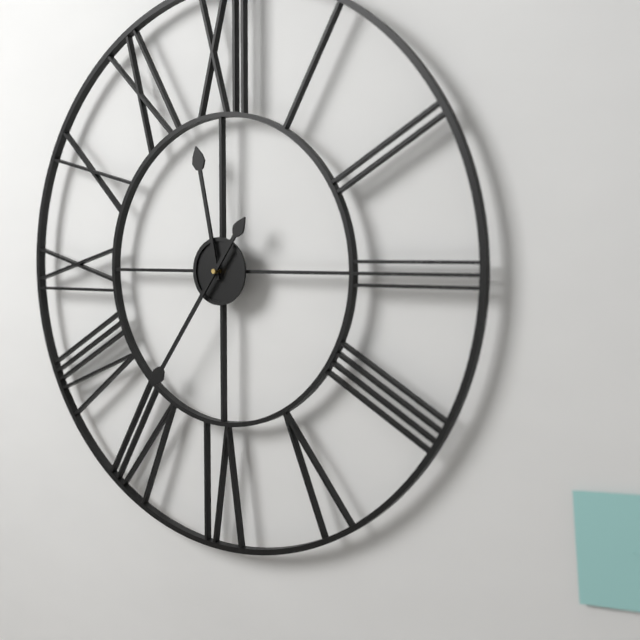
11:36
